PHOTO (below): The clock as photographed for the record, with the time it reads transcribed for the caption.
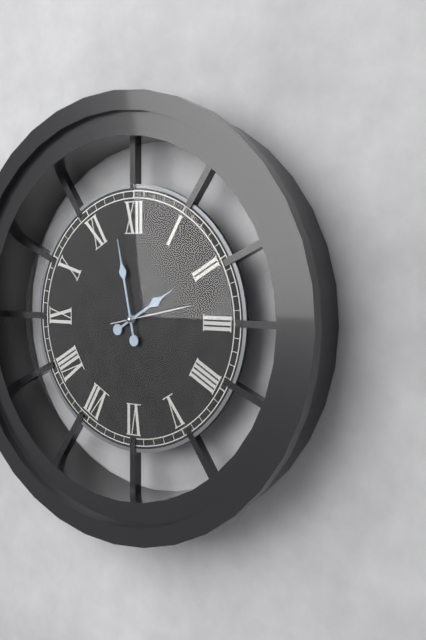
1:58:13
